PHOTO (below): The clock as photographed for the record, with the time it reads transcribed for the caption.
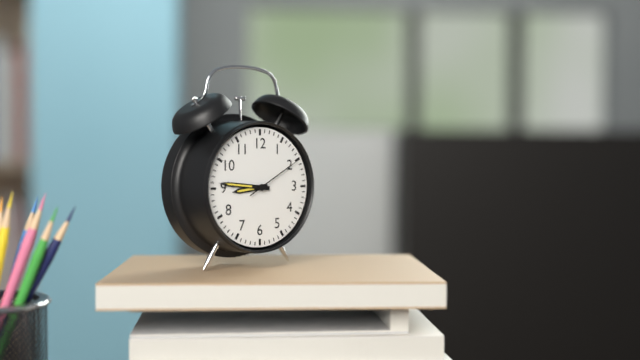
8:46:10
